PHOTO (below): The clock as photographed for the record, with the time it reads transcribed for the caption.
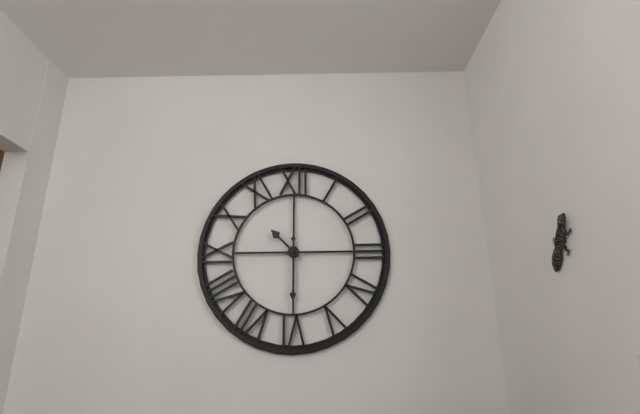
10:30
